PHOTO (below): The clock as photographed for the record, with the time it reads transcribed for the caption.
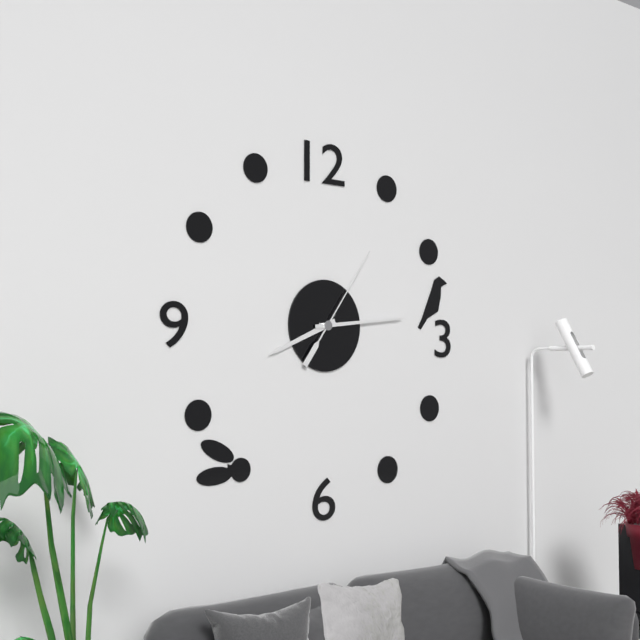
8:14:06
